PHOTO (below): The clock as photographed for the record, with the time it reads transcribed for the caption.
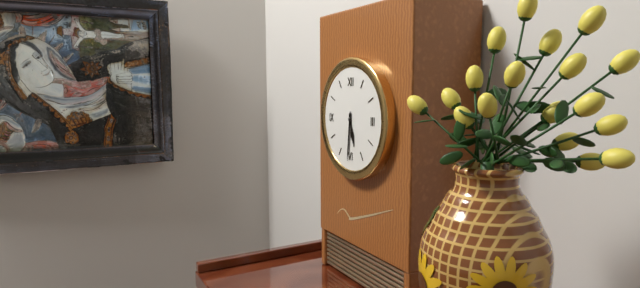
5:31
